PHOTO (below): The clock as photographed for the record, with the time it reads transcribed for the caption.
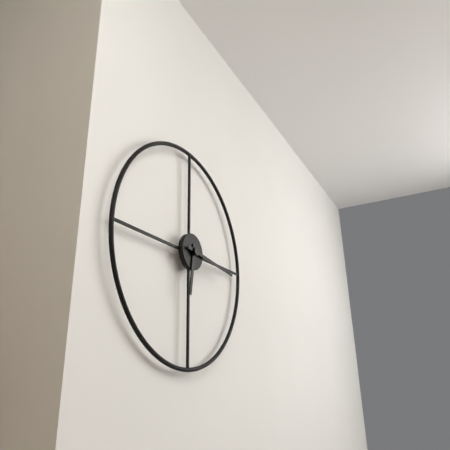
6:16
